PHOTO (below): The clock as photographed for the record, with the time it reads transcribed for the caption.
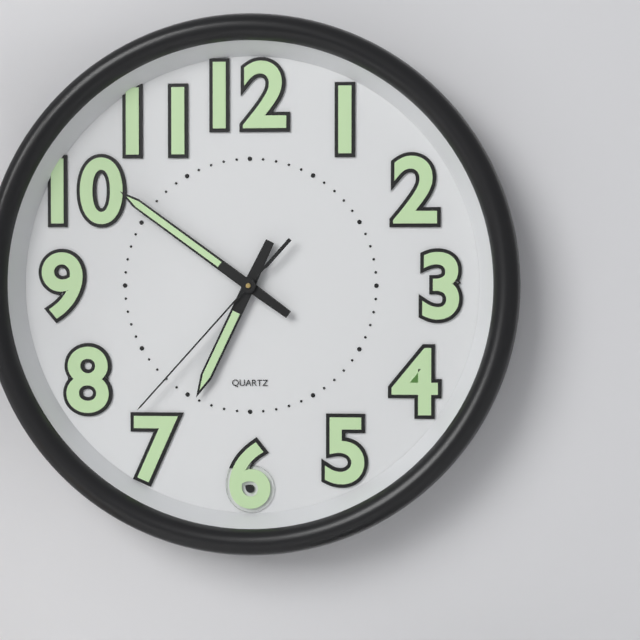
6:51:37
